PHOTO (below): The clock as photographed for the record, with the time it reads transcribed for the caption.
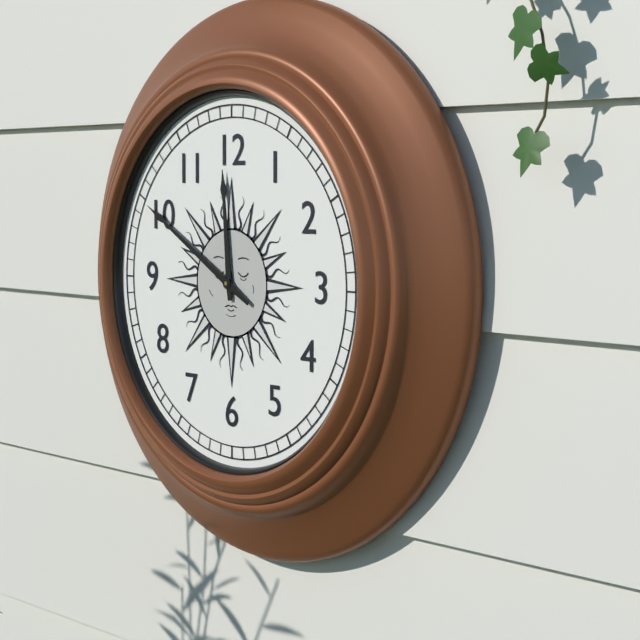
11:50
